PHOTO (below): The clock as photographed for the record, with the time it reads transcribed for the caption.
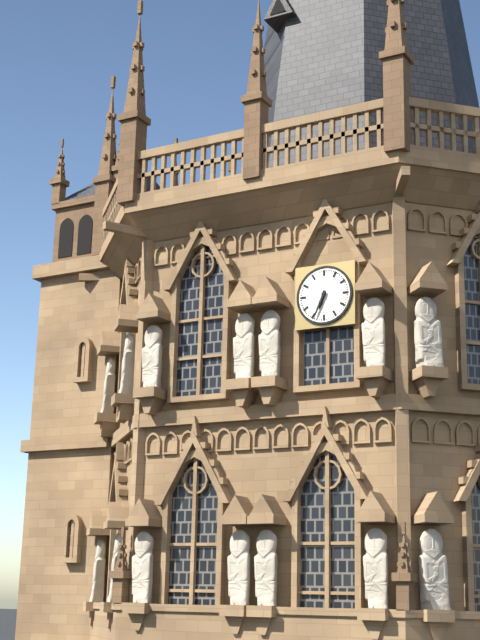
6:34
